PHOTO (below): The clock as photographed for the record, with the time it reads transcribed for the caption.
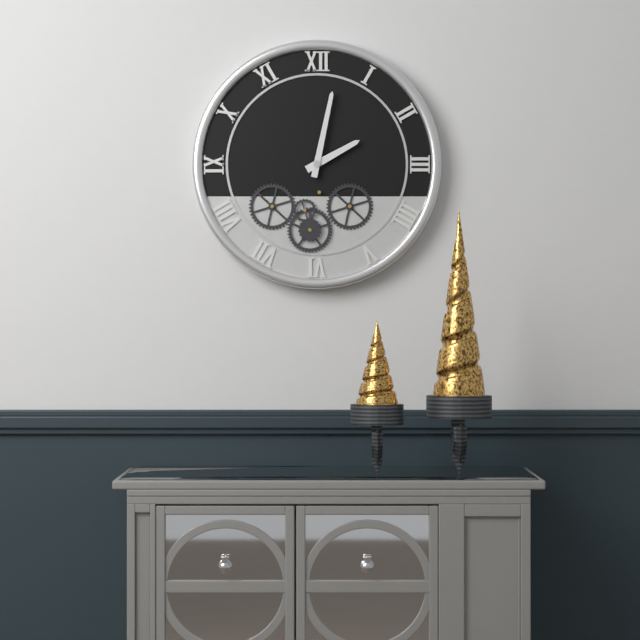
2:02
